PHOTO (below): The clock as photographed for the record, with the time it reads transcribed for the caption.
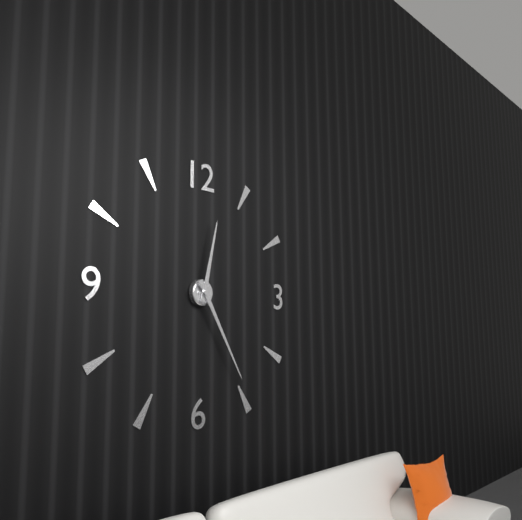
12:25
